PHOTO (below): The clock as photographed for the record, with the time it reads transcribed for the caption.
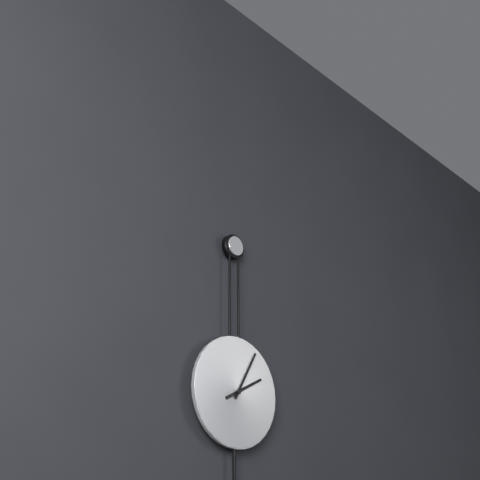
2:05
